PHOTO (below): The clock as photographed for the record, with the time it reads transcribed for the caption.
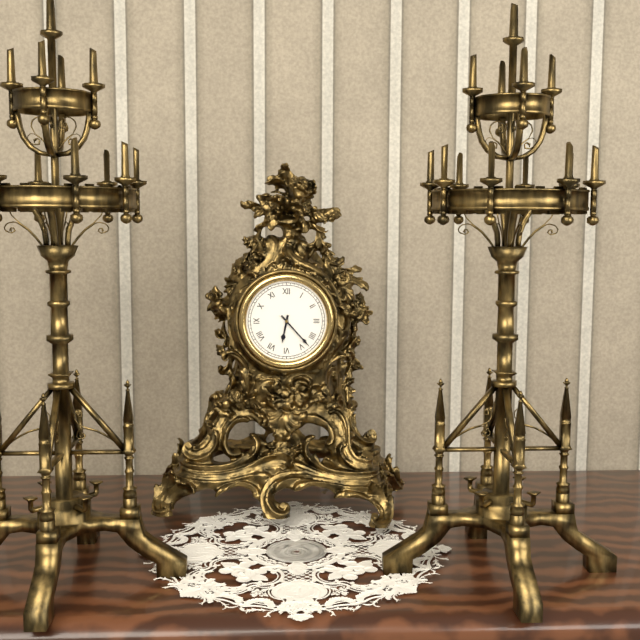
6:23
